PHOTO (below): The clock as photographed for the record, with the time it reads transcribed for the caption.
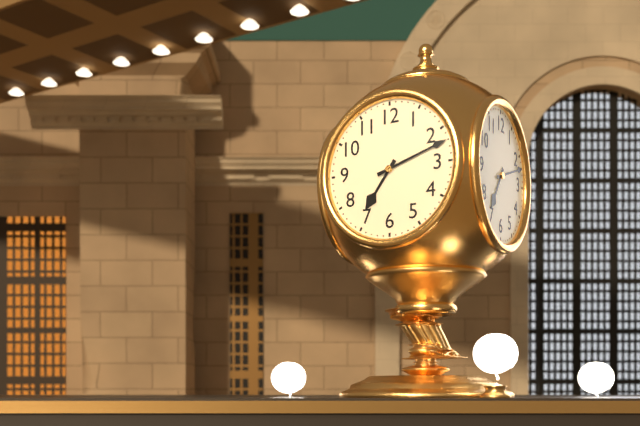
7:12
